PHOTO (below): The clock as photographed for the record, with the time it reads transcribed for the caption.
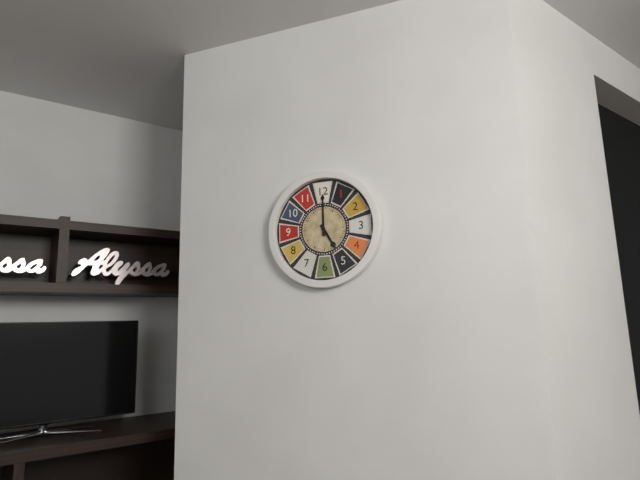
5:00
